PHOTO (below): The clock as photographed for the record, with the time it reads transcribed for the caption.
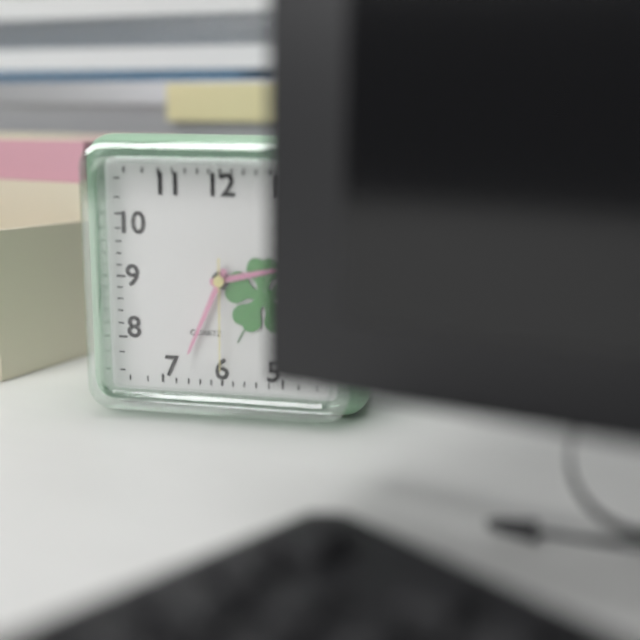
2:34:30
